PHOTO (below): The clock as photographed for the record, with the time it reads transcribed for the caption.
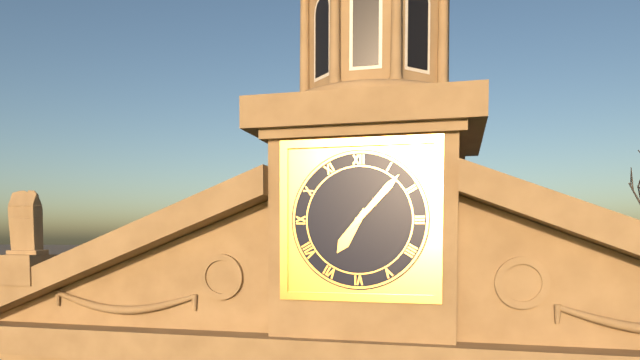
7:07
